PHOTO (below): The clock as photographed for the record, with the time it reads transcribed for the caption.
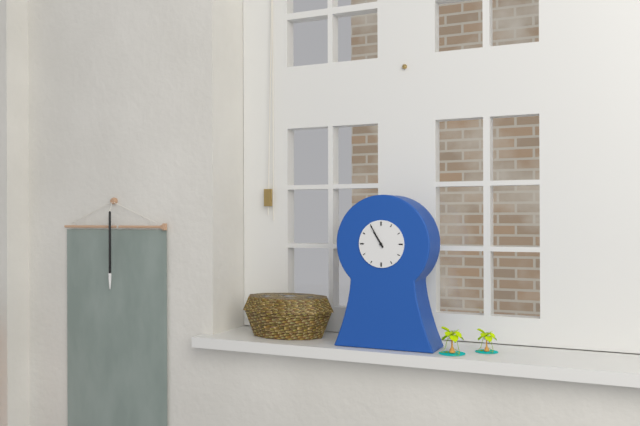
10:55
